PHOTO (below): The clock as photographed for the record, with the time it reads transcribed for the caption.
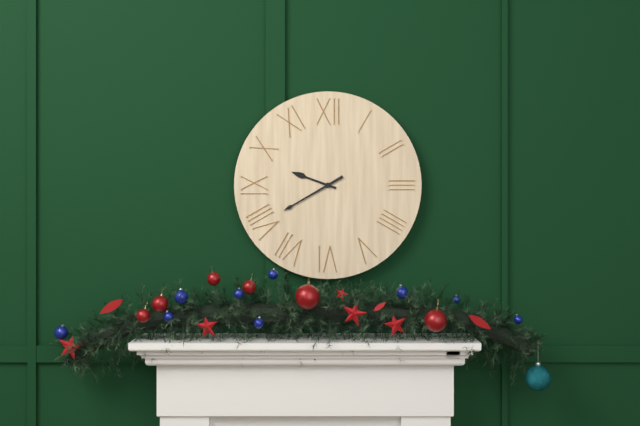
9:40
